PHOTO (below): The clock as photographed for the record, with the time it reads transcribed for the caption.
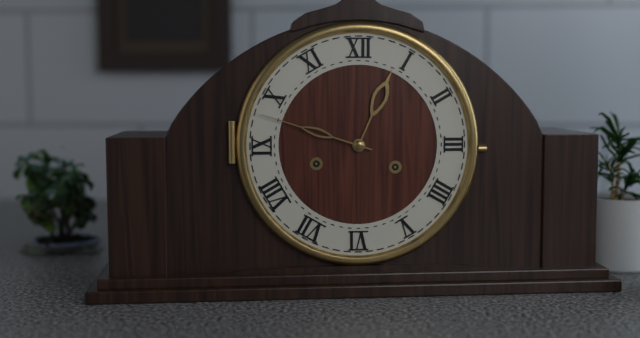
12:48
